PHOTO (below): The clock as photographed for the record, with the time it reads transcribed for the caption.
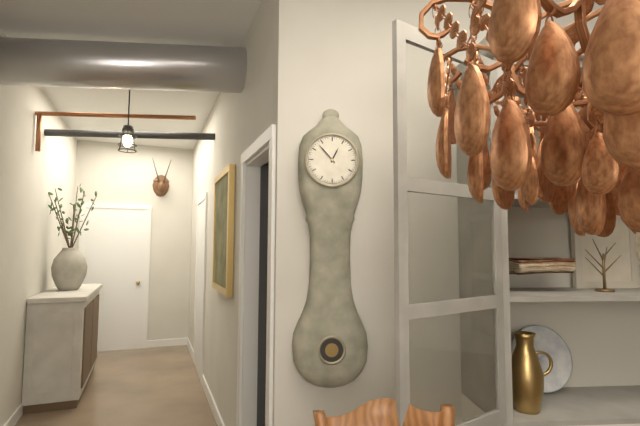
12:53
